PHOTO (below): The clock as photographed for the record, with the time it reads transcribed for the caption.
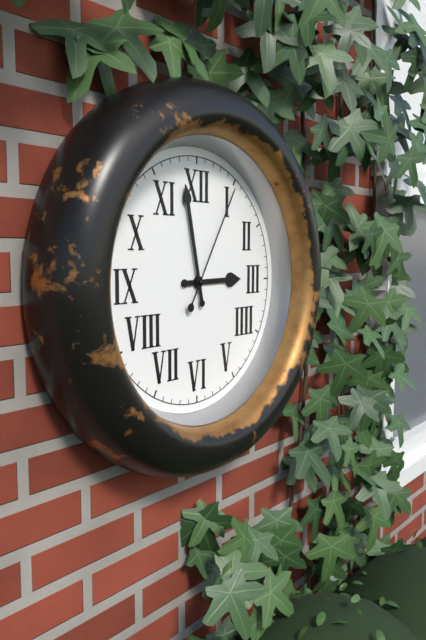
2:58:05
